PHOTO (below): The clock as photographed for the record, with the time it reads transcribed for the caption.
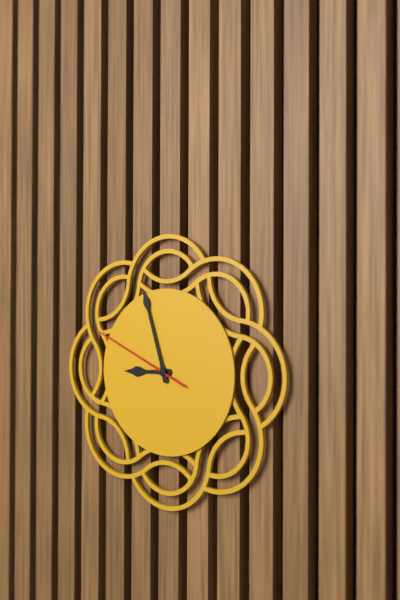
8:57:49
